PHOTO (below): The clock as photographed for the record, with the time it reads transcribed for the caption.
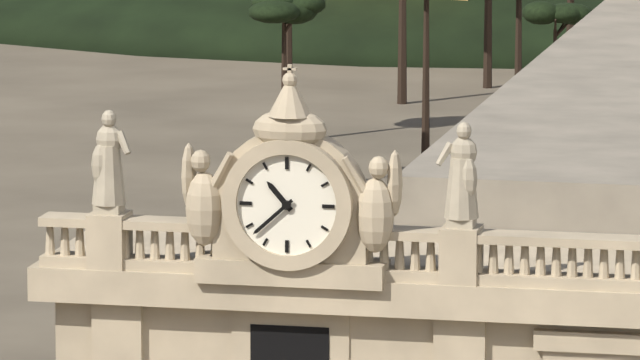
10:38
